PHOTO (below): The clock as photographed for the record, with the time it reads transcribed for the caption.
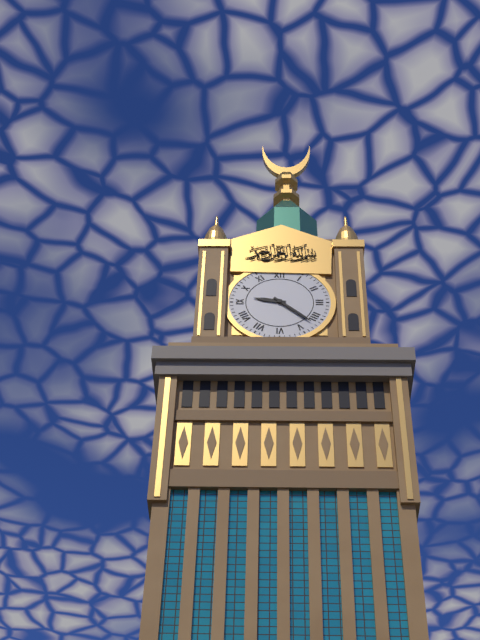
9:22
